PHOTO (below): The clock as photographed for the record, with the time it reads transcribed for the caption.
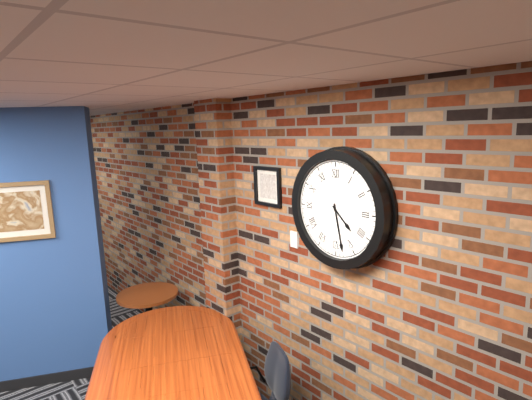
4:28
